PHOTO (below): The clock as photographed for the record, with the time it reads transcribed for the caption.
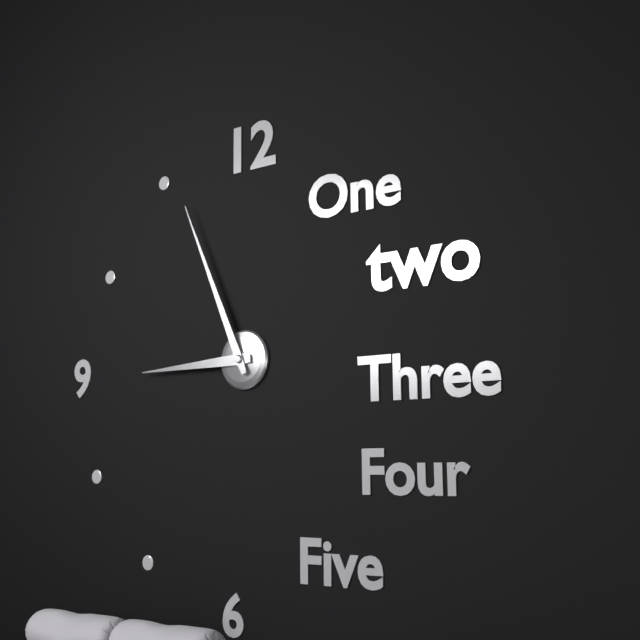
8:56
